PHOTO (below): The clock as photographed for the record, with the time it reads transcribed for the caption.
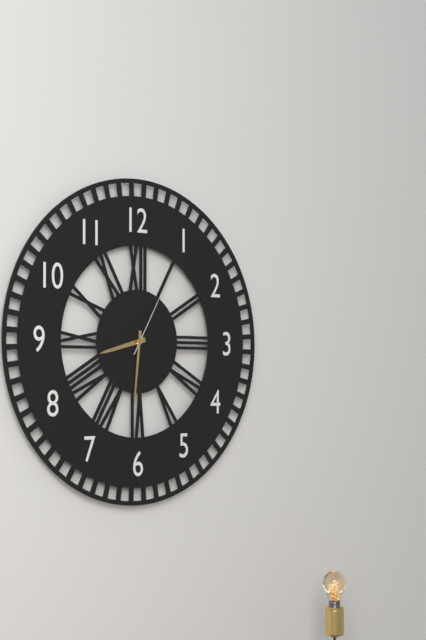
8:31:05
